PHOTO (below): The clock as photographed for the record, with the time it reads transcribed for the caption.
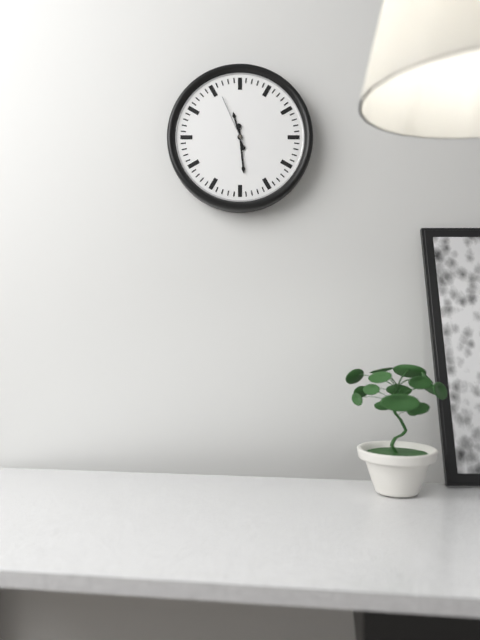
11:29:56
